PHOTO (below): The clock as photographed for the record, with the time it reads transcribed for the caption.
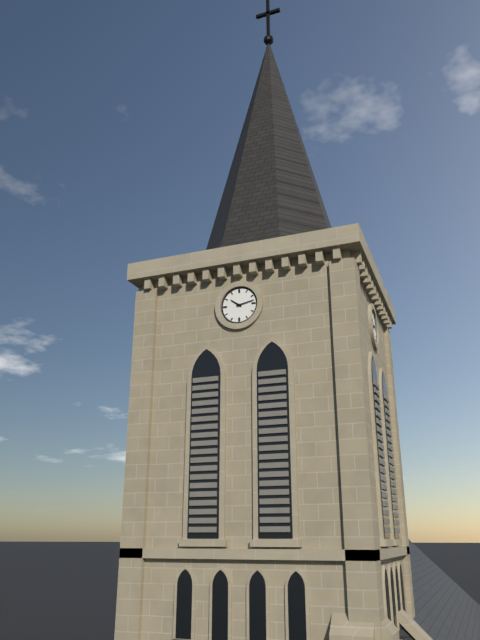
10:13
